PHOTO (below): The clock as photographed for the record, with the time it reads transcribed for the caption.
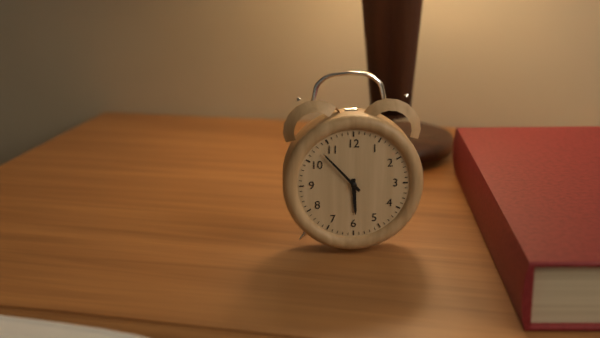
5:53
